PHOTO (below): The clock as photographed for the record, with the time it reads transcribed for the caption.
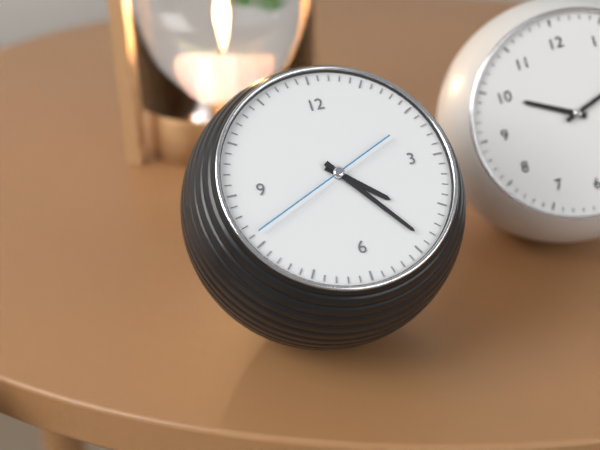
4:24:41
